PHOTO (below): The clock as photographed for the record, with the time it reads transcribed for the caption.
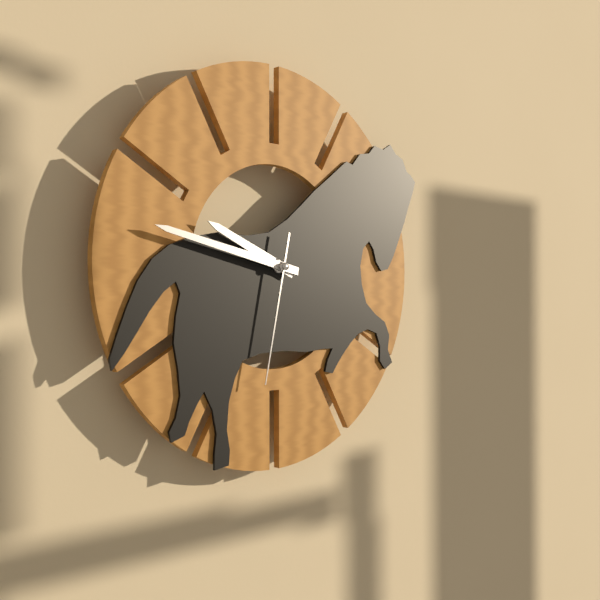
9:47:32
